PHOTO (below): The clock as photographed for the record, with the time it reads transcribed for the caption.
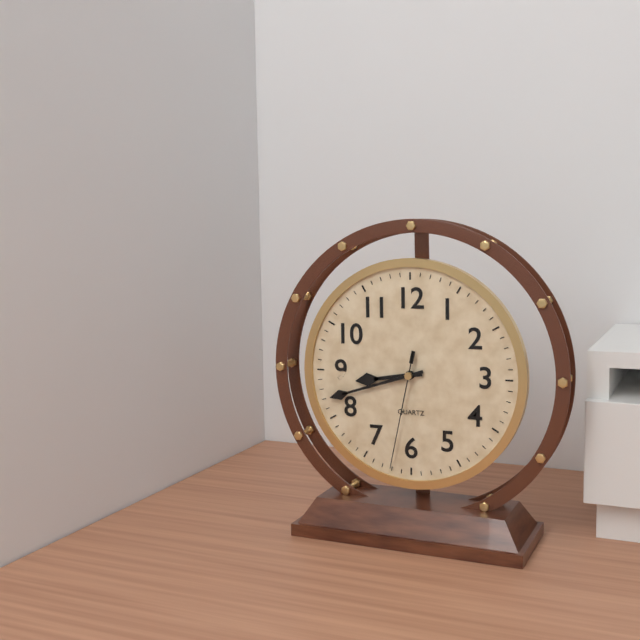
8:42:32
